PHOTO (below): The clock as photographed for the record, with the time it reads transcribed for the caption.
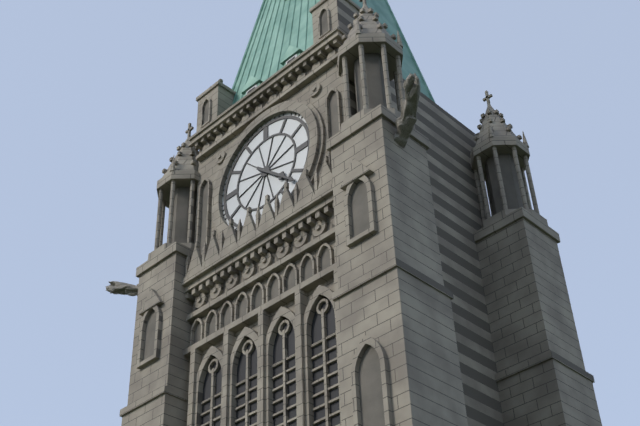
4:22
